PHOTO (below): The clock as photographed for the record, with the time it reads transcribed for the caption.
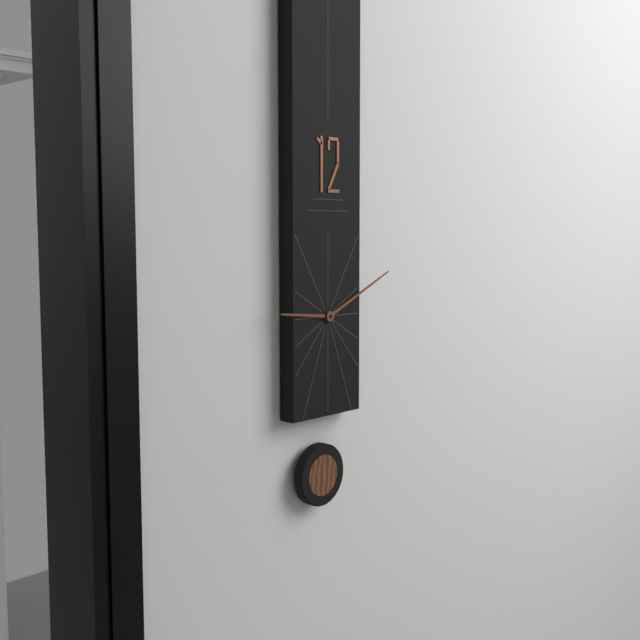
9:11
